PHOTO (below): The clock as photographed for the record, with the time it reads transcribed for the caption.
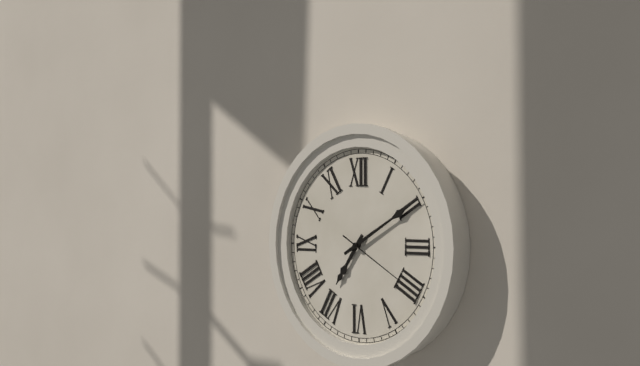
7:10:20
